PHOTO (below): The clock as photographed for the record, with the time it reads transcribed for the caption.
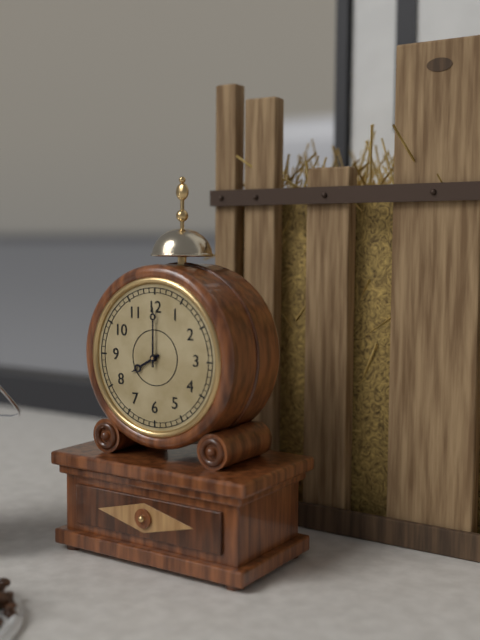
8:00
